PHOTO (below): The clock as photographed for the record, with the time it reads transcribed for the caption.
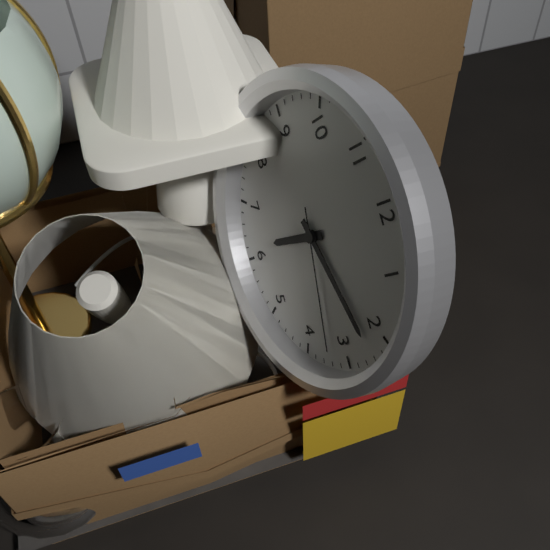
6:12:17
